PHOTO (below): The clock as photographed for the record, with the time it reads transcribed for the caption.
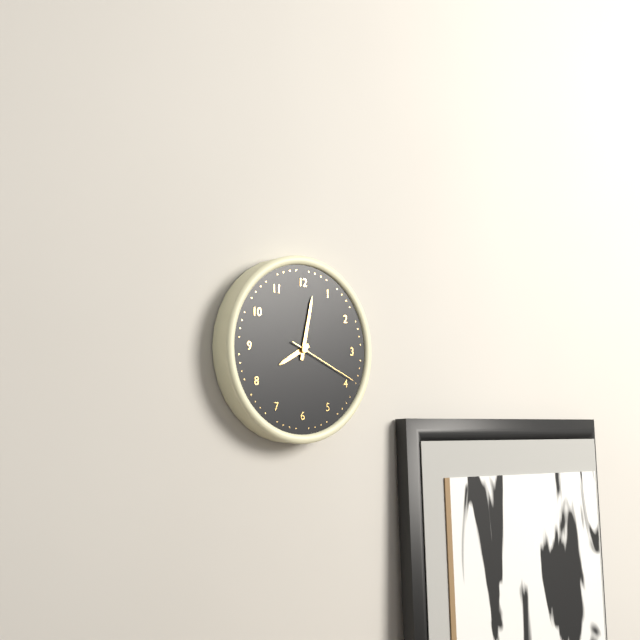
8:02:19
